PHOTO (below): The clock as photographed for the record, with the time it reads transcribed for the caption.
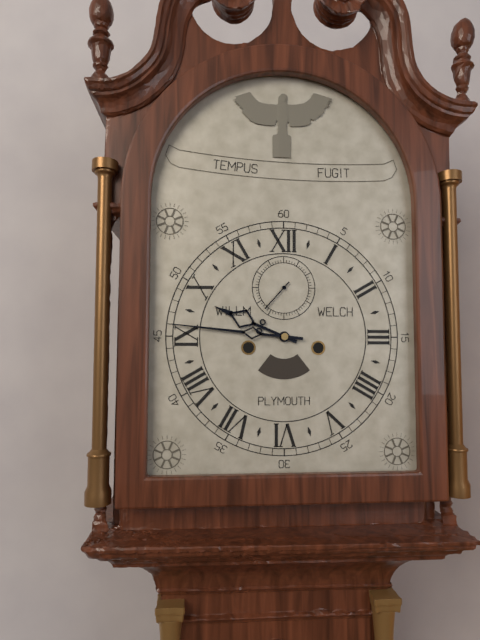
9:46
